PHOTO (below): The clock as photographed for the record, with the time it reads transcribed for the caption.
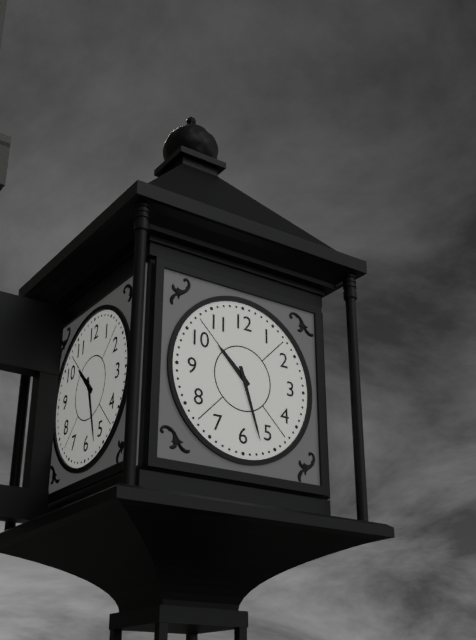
10:27
